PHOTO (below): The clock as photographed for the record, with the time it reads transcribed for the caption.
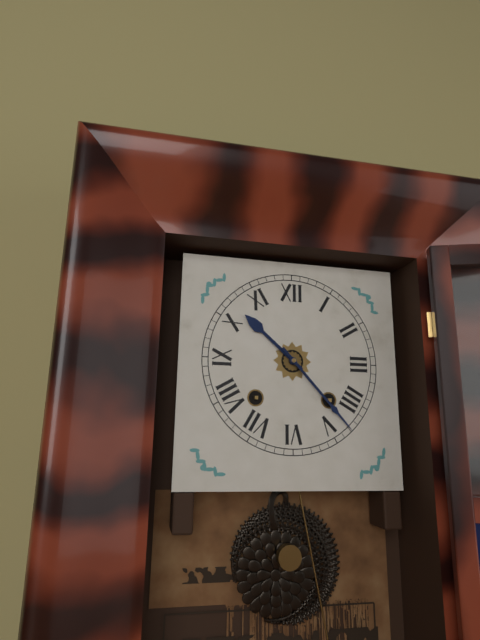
10:23
